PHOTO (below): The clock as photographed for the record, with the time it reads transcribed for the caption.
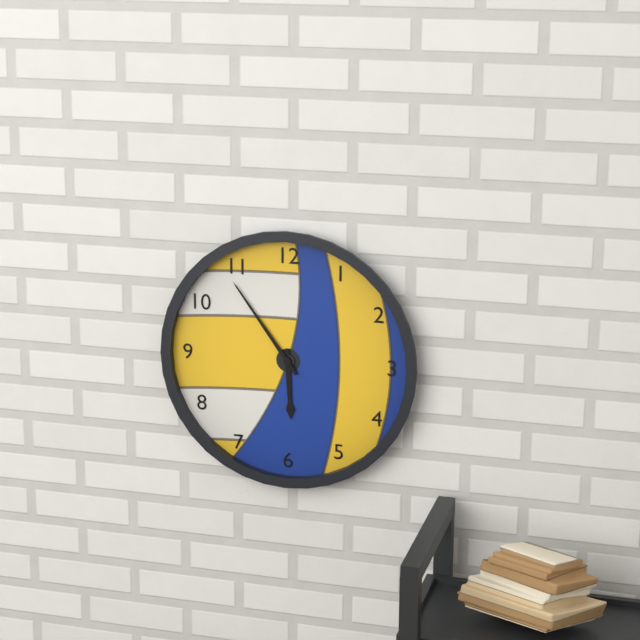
5:54
